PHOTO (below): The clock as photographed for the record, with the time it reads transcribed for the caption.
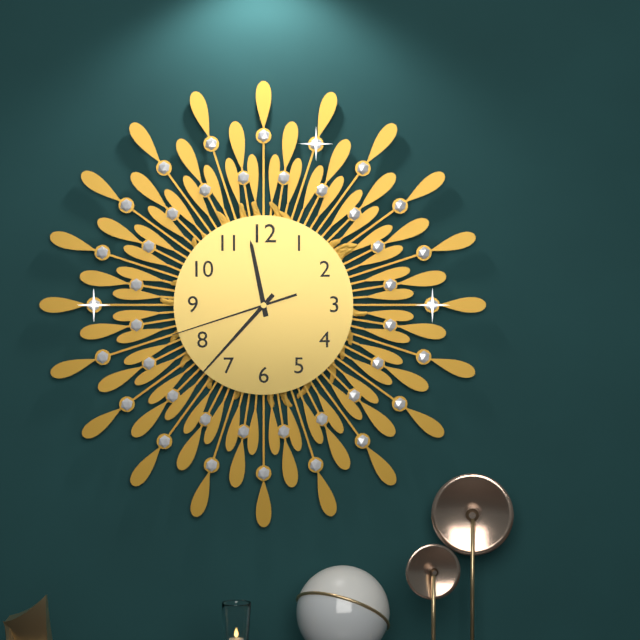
11:37:42
